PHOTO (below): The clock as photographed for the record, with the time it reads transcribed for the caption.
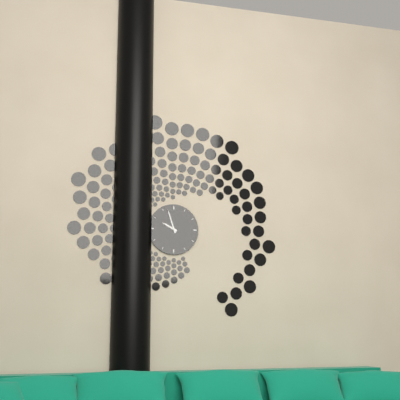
9:57
